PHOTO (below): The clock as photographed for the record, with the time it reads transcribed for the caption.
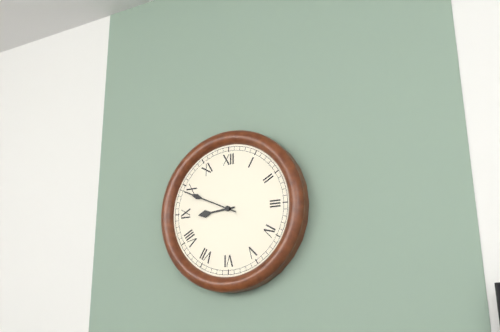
8:49
